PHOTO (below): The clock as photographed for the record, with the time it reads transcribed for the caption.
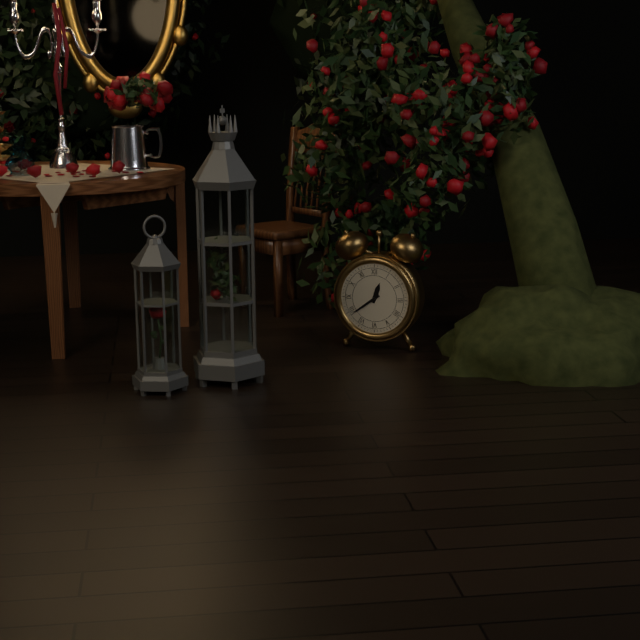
12:39
